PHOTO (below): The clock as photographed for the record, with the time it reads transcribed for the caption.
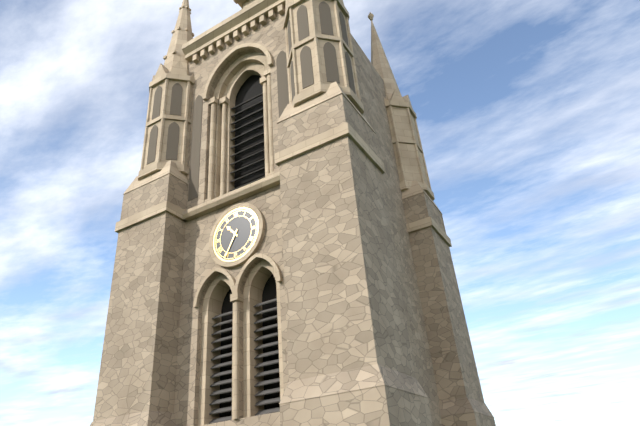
10:35
